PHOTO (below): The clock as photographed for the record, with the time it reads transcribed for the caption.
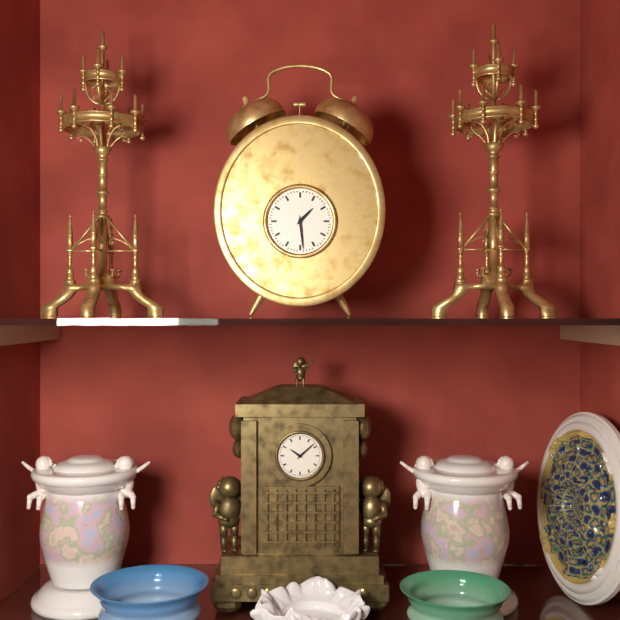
1:29
